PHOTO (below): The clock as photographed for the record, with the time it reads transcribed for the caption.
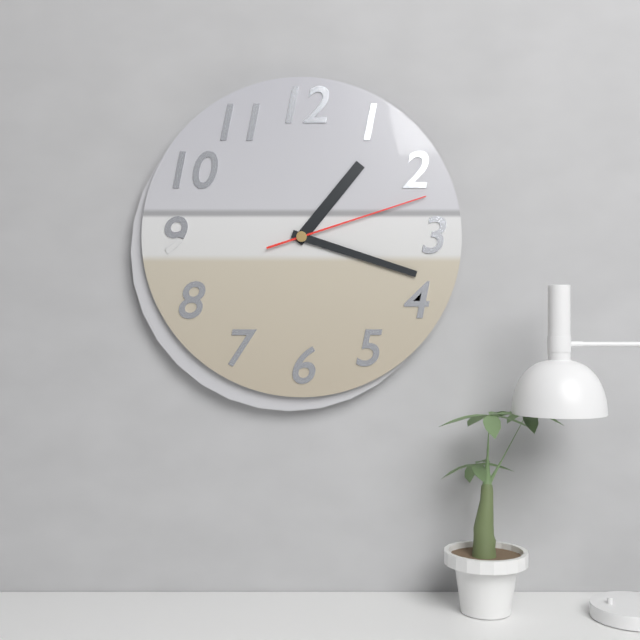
1:18:12
